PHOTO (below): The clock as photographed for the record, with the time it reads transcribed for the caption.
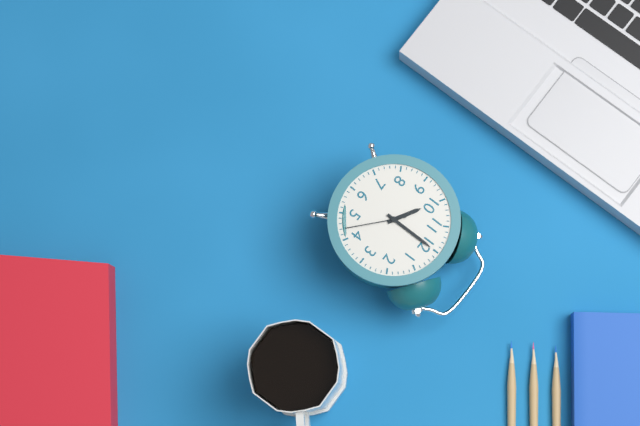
10:00:22
